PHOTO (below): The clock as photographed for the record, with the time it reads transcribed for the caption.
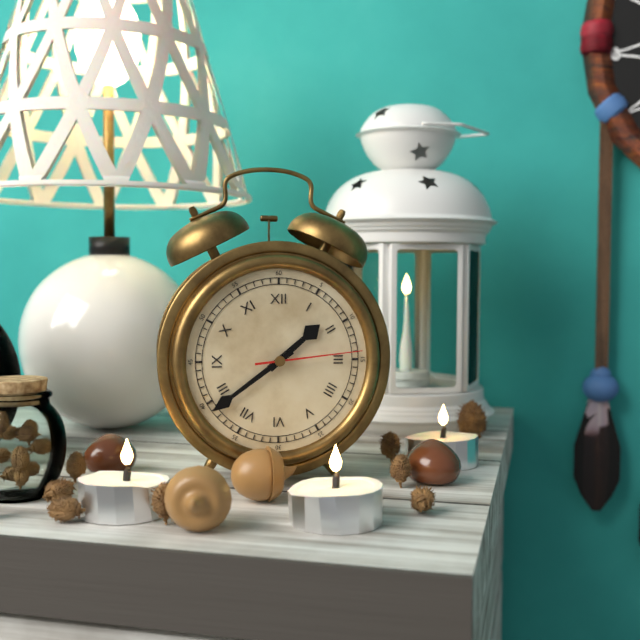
1:39:14
